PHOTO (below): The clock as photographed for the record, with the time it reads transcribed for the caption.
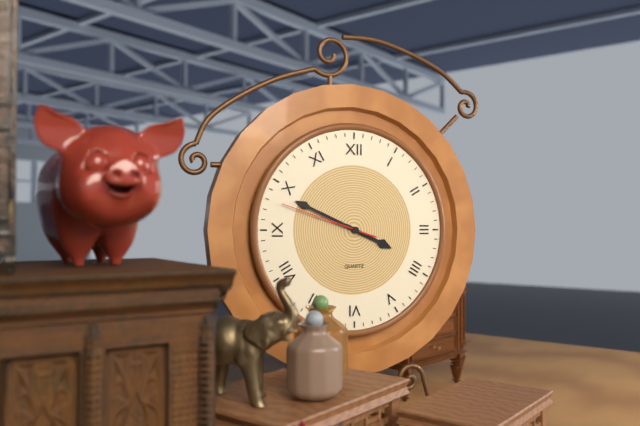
3:49:48
